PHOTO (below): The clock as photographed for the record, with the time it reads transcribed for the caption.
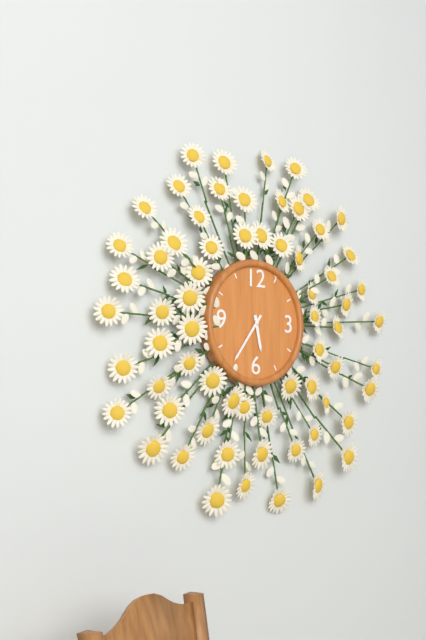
5:36
